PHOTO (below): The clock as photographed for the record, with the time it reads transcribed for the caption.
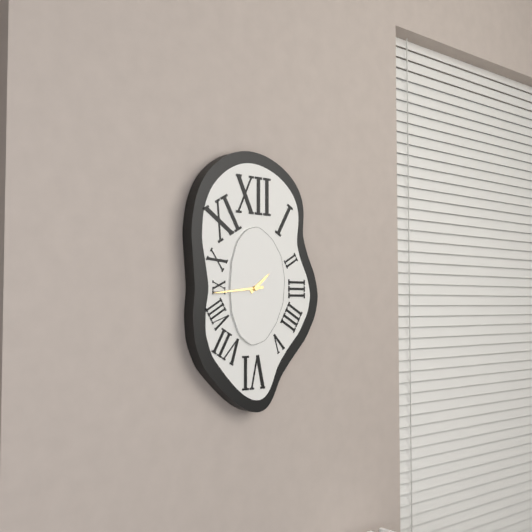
1:44
